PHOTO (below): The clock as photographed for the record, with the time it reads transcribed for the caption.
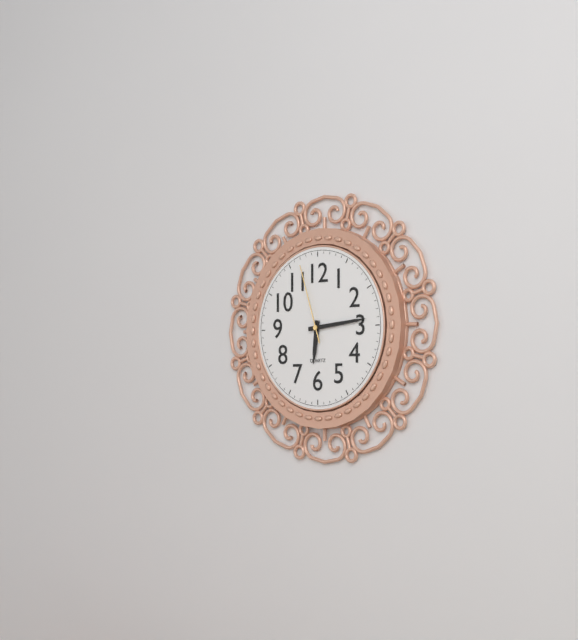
6:14:57
